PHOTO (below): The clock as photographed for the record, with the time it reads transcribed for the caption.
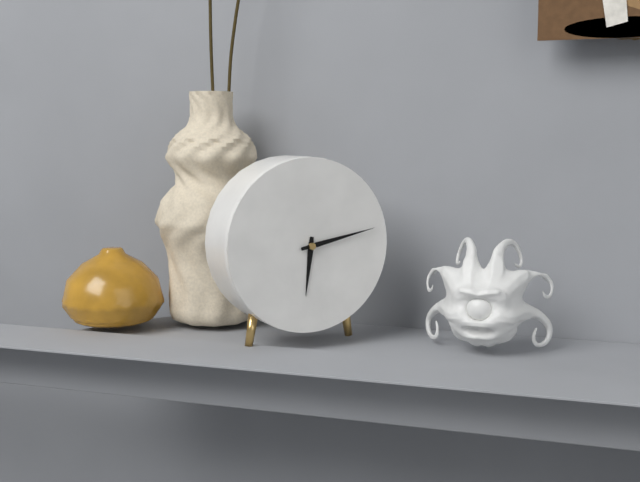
6:13
